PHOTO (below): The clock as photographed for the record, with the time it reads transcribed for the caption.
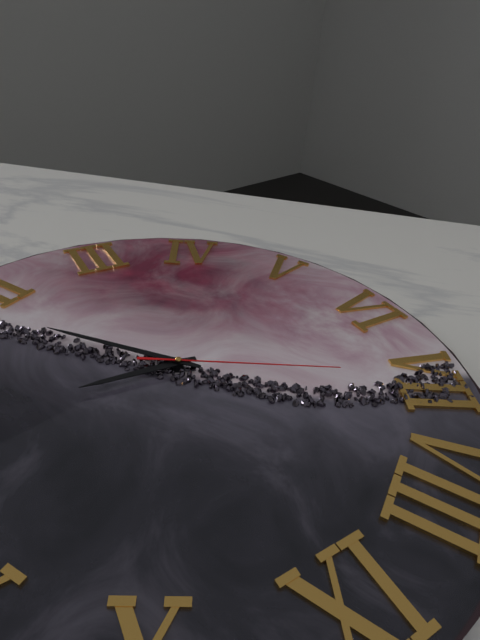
12:08:35
